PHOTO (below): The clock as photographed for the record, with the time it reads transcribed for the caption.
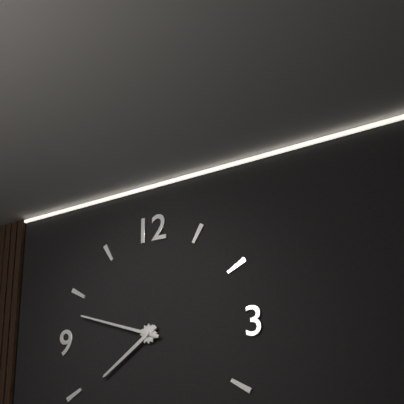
7:48
